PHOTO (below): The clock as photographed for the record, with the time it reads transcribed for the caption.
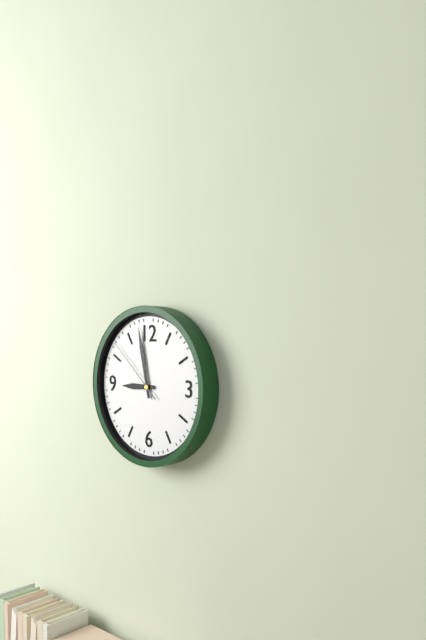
8:58:52
